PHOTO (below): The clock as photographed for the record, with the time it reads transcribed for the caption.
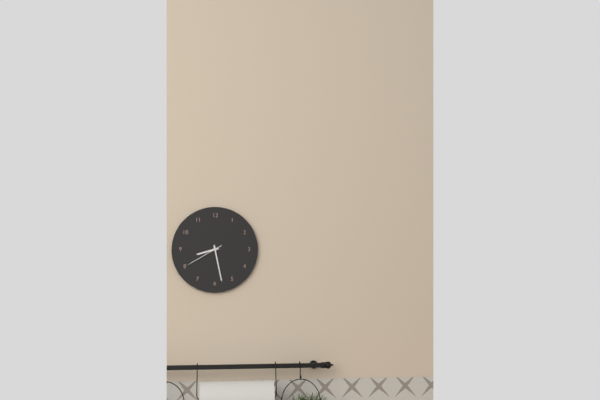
8:28
